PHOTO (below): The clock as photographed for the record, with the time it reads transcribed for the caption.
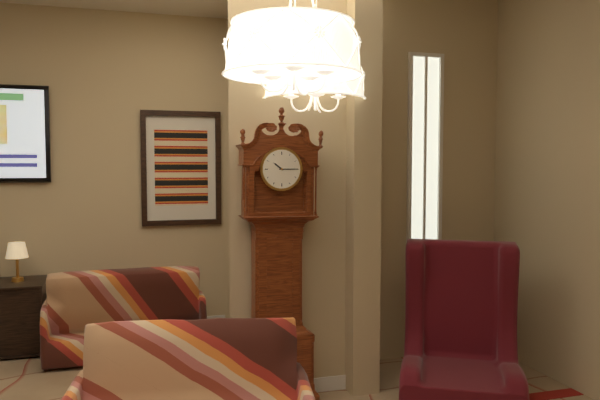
10:15
